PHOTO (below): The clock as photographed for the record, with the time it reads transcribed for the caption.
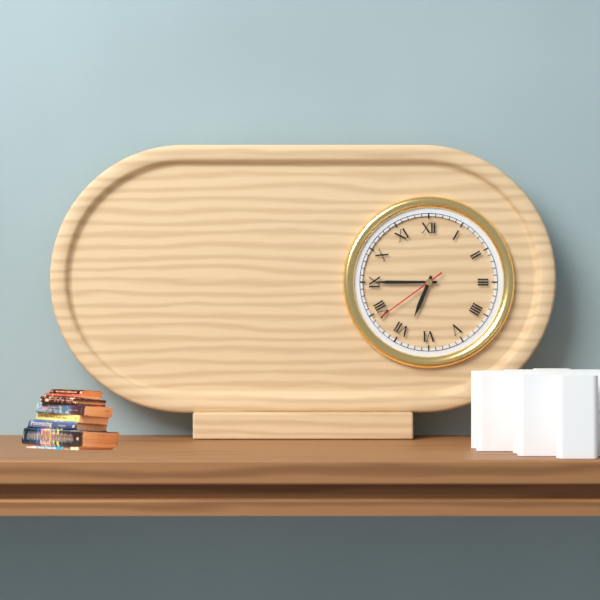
6:45:39
